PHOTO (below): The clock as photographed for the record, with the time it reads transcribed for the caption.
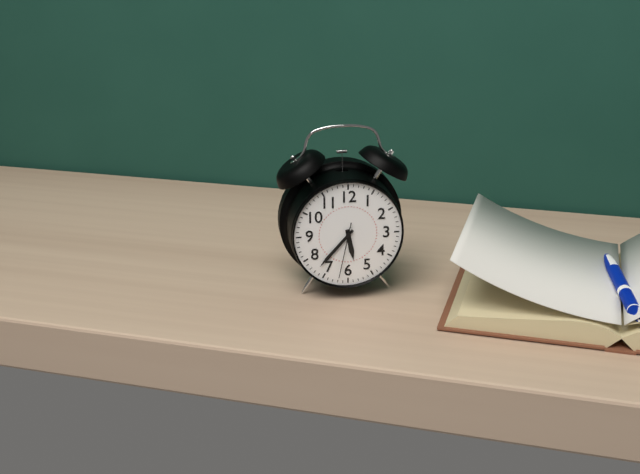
5:37:32
